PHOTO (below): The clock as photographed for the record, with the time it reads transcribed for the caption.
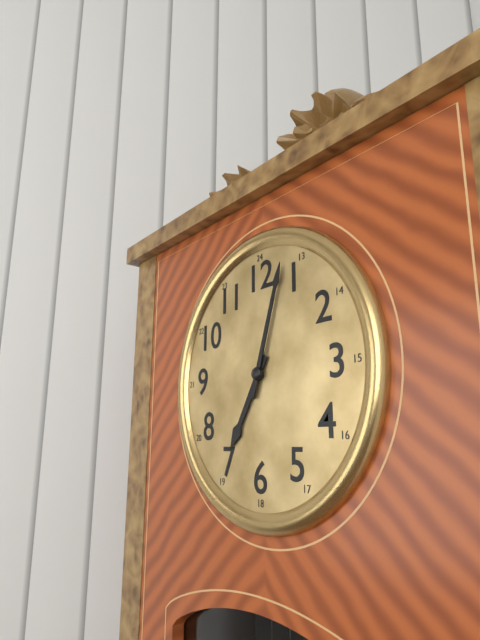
7:03
